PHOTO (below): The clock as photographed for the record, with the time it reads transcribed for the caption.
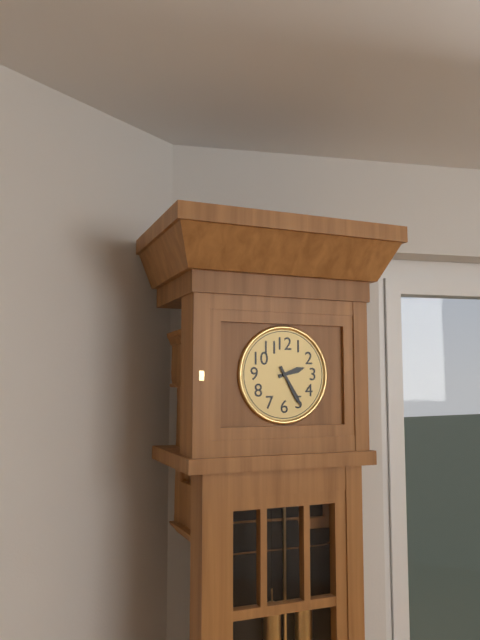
2:25
